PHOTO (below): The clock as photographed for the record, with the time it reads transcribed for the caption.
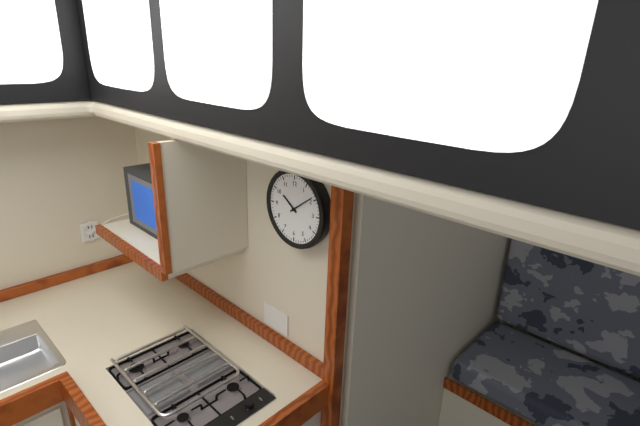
10:09
